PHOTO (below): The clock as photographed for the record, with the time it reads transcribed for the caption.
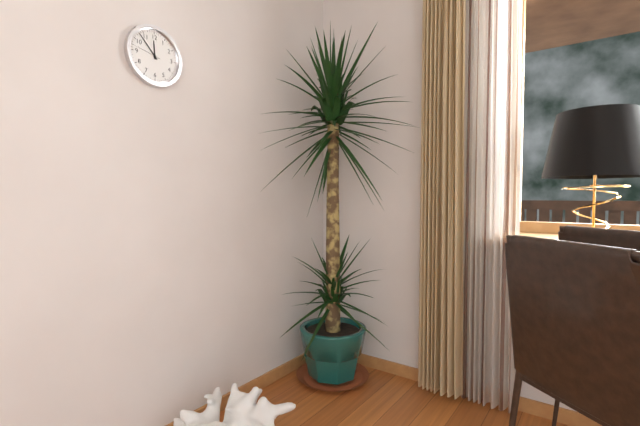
11:53
